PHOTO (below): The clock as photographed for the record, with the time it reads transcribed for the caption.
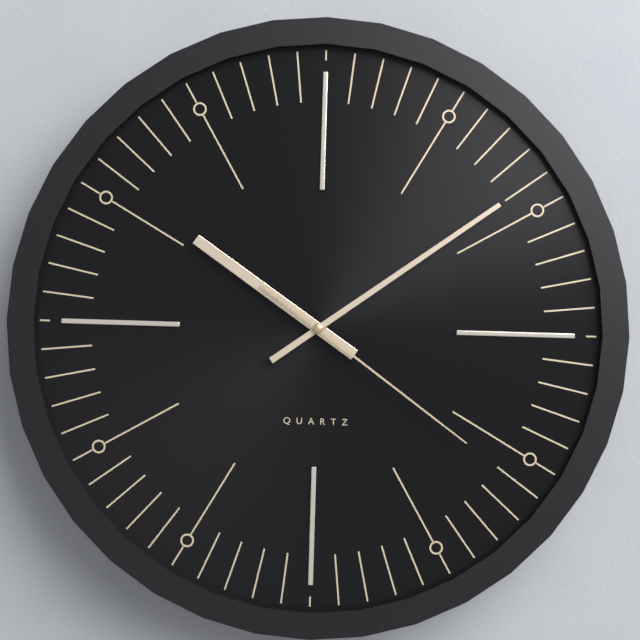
10:09:21
